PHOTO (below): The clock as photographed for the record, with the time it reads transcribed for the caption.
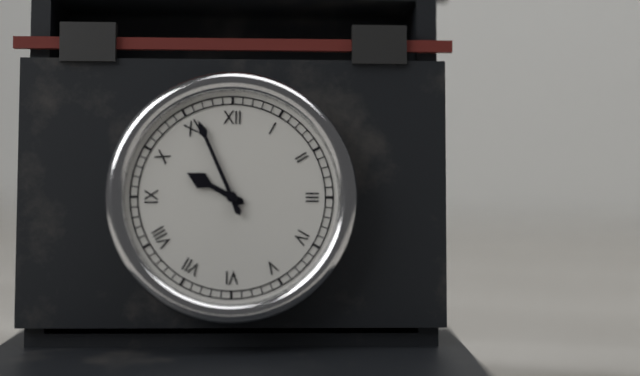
9:56
